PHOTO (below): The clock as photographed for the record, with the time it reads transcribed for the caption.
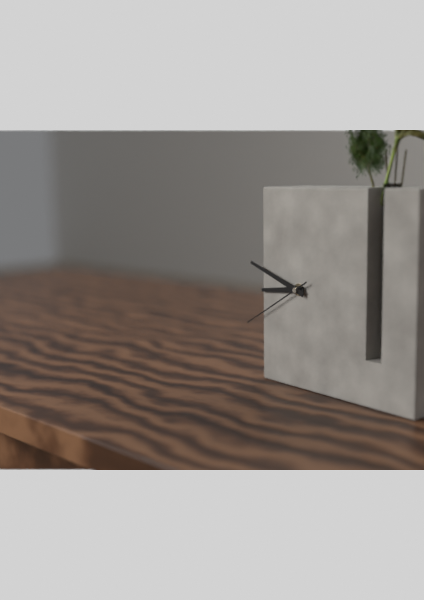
8:48:40
